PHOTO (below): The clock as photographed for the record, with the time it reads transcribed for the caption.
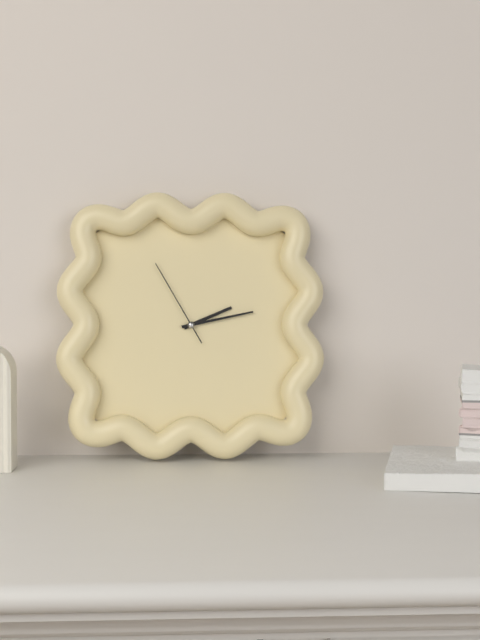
2:13:55
